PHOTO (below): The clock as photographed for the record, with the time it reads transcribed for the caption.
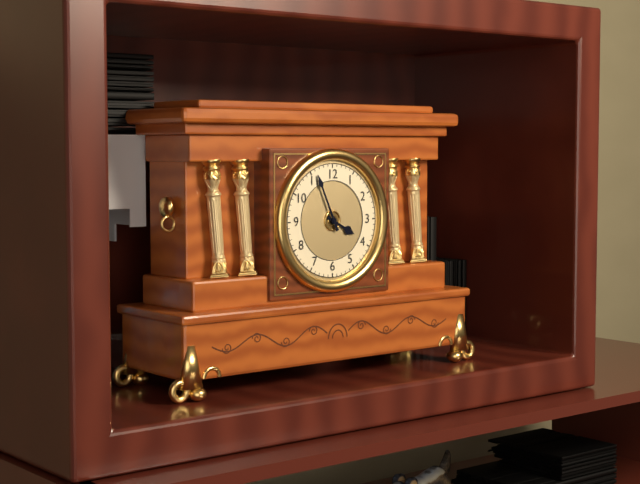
3:56
